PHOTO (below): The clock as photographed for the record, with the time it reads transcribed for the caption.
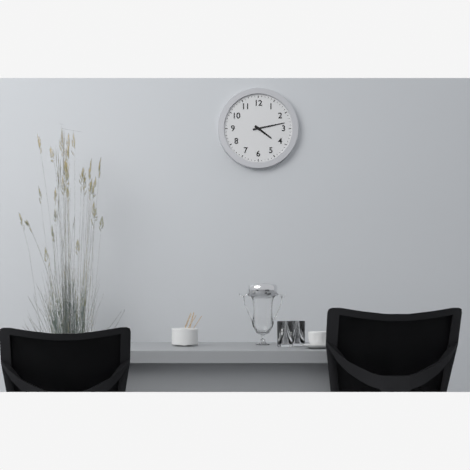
4:13
